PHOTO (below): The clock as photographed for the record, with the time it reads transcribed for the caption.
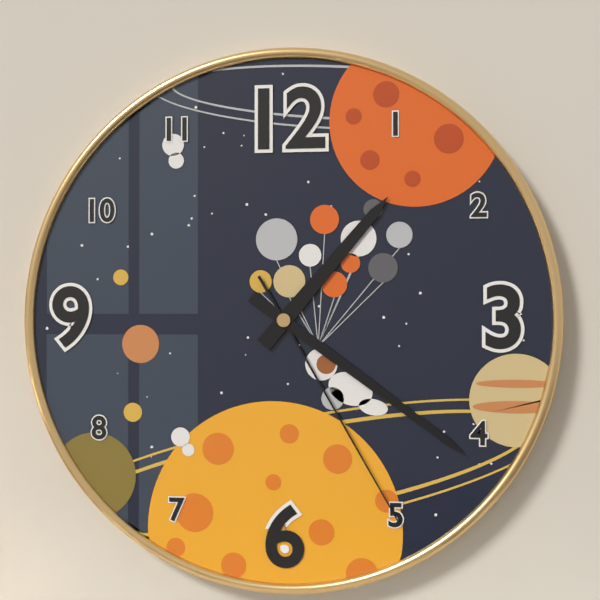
1:21:25
